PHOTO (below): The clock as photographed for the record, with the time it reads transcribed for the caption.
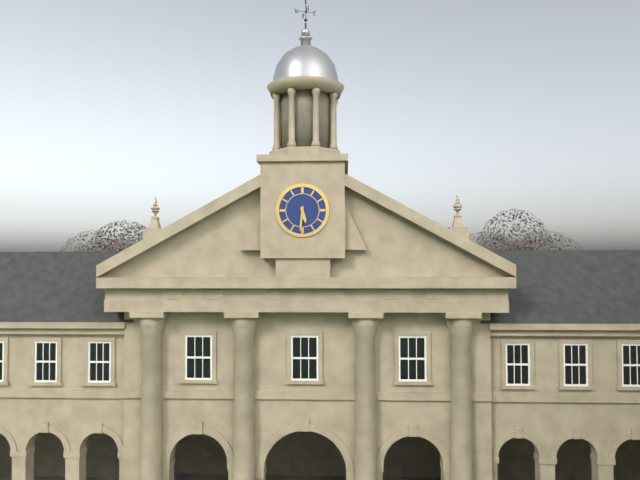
5:31
